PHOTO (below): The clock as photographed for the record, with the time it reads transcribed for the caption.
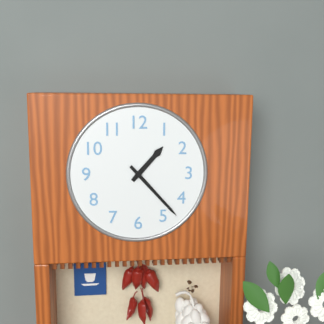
1:23
